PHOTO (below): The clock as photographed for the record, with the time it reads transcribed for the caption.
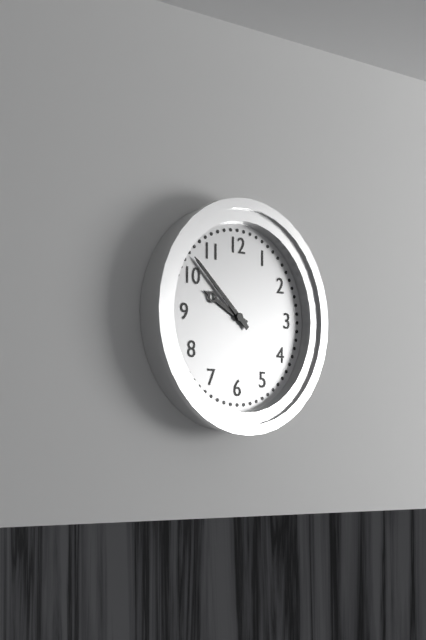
9:52
